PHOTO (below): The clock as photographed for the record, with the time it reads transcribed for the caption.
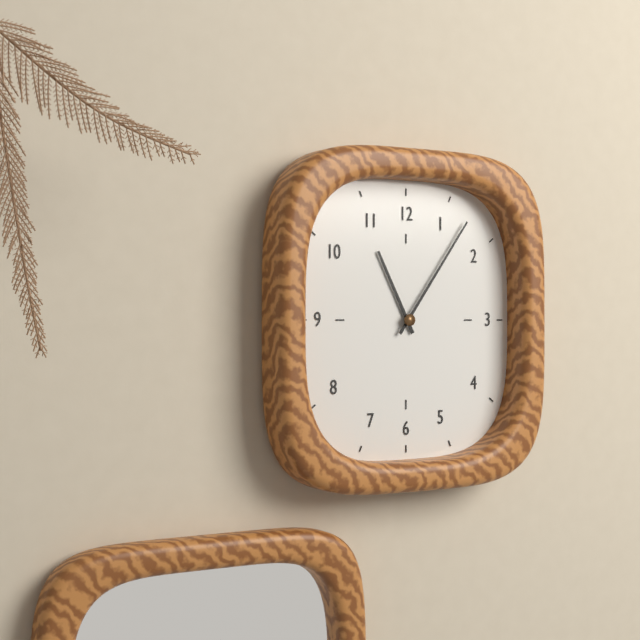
11:06
